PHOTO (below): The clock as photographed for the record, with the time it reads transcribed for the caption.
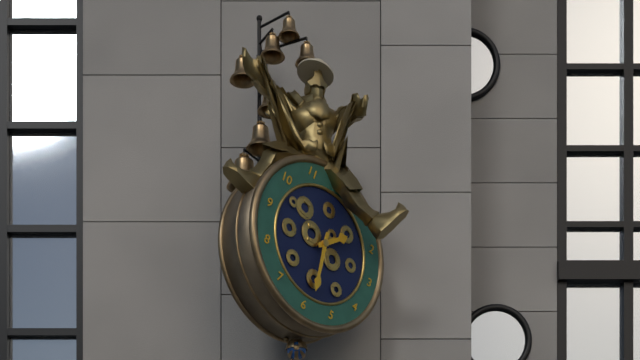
1:29
